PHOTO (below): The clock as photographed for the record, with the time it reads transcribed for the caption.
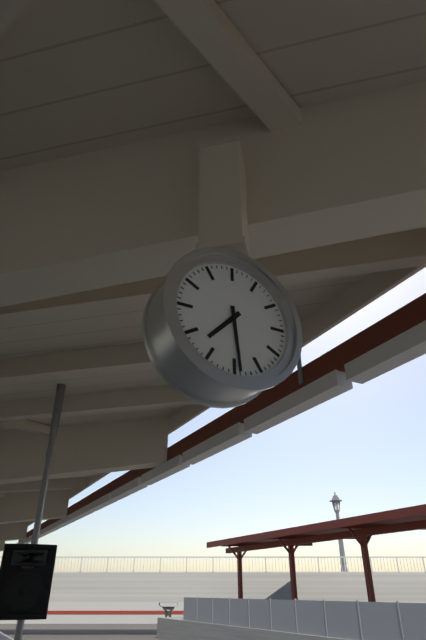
7:29
